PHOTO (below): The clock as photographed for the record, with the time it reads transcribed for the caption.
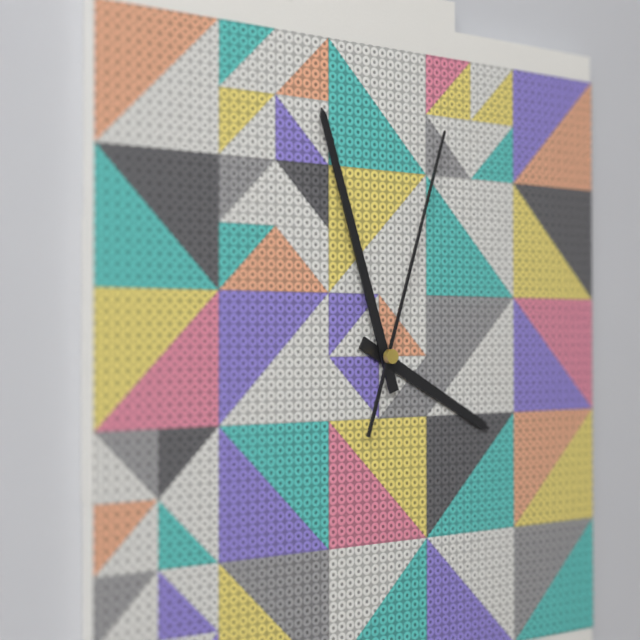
3:57:03
